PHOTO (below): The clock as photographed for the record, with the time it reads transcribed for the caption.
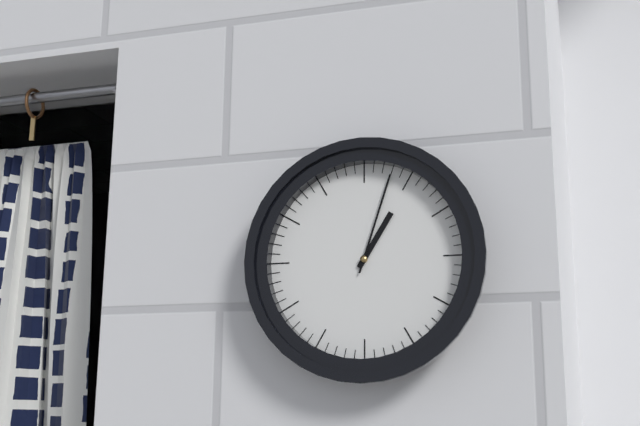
1:03
